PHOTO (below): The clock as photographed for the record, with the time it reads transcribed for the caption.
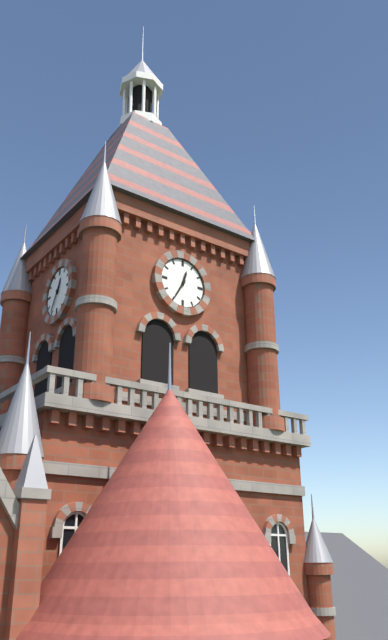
12:35
